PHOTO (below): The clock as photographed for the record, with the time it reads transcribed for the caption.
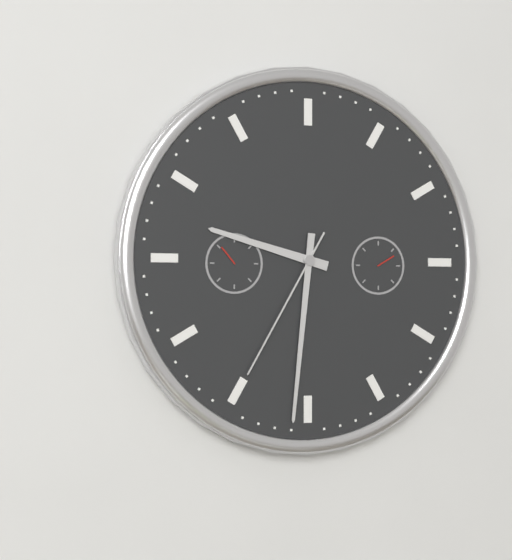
9:31:35
